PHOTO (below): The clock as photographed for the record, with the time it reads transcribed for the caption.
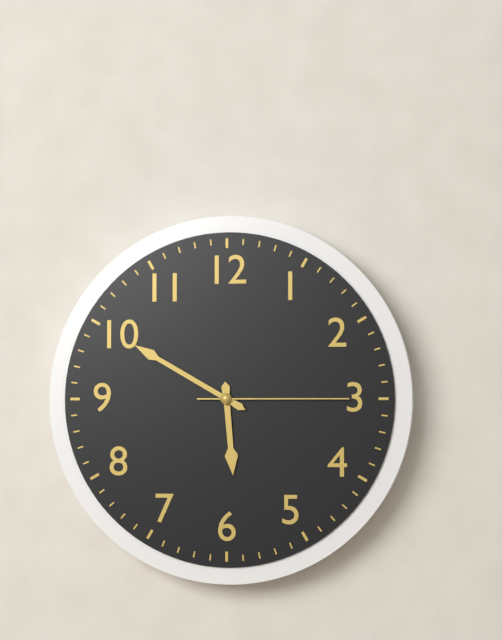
5:50:15
